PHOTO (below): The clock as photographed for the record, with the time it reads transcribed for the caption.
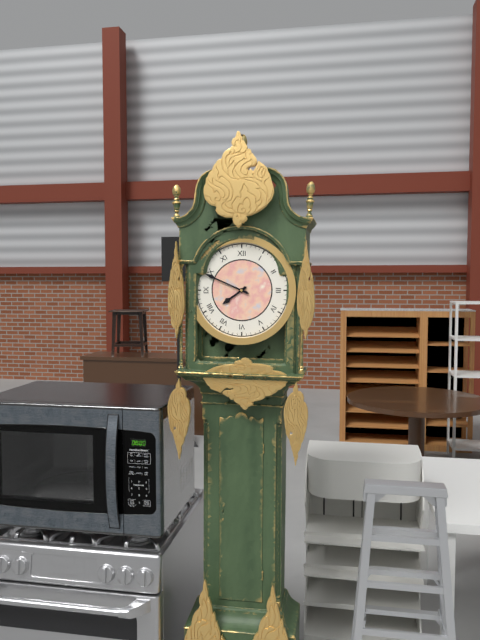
7:49
